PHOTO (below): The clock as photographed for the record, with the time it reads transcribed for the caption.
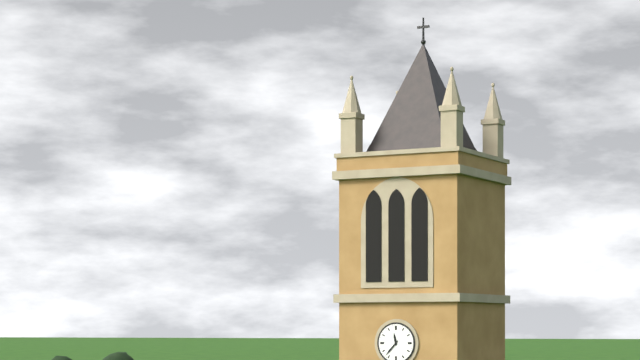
11:37
